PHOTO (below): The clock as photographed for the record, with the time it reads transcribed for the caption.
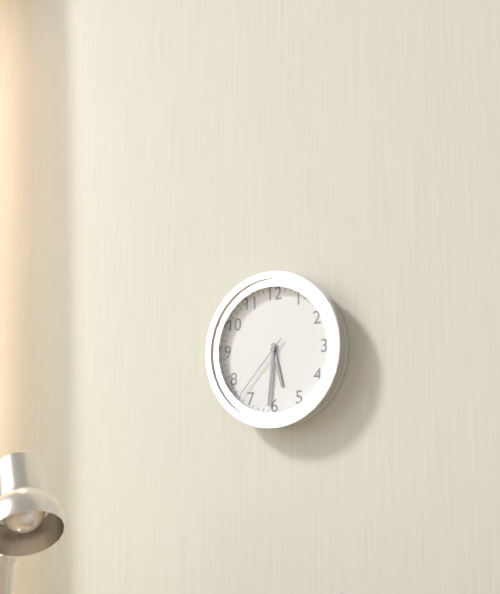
5:31:37
